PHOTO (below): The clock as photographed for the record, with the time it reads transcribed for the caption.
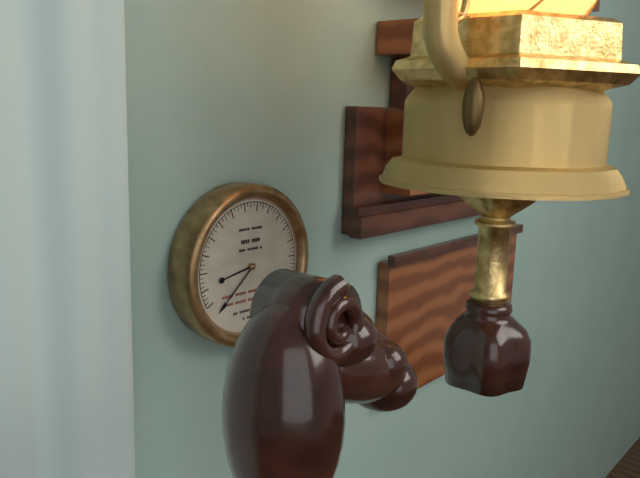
8:38
